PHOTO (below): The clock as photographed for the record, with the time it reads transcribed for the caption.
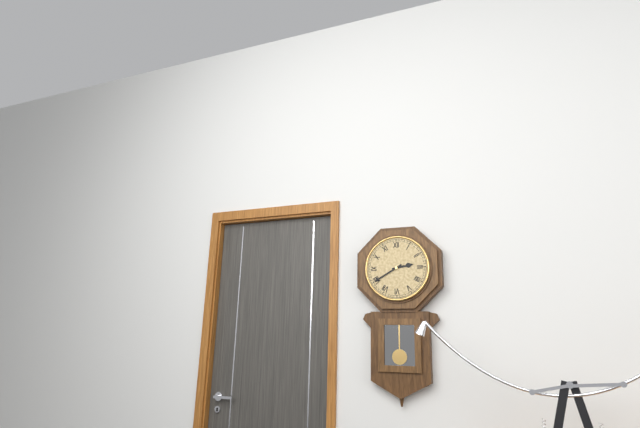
2:40
